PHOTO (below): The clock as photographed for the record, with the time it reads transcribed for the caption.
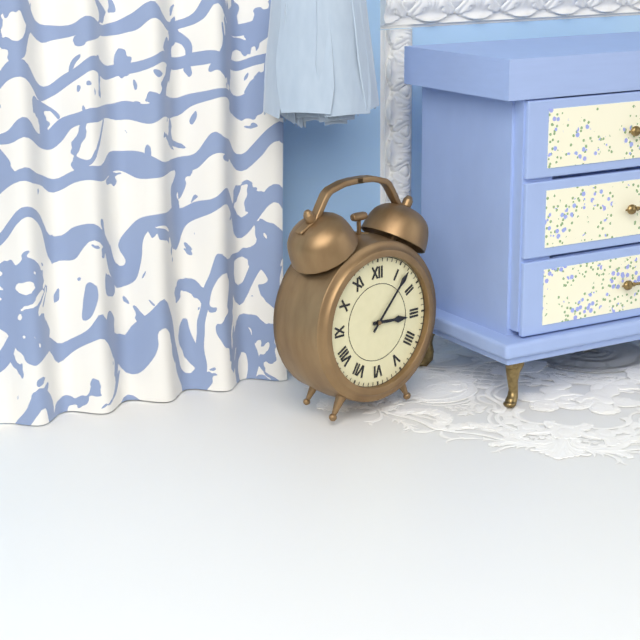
3:07
